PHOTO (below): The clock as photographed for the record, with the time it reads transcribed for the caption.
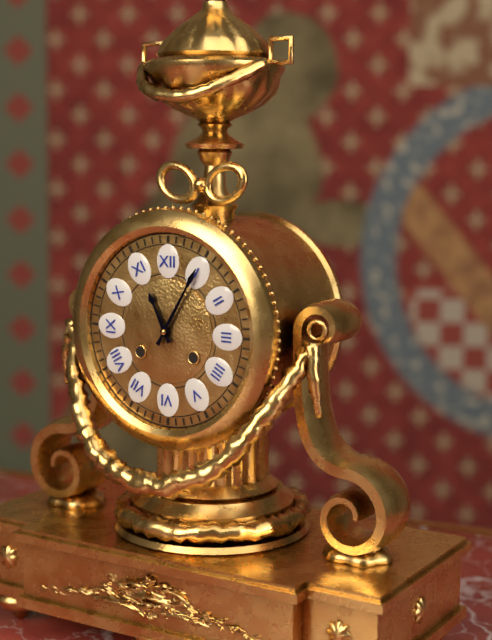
11:05
